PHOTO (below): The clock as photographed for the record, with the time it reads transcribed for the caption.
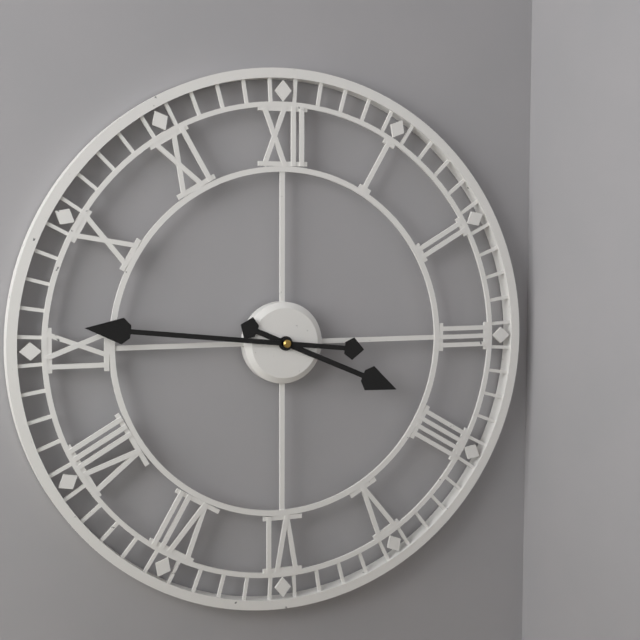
3:46
